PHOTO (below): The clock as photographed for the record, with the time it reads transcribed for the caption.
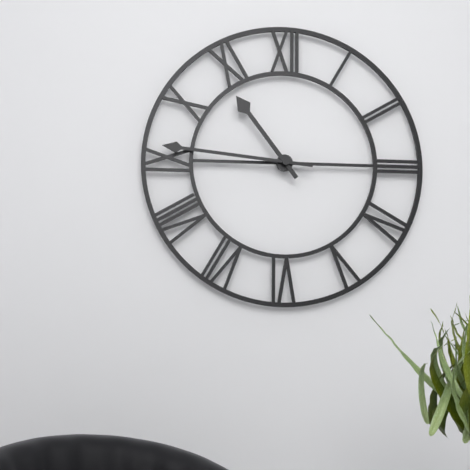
10:46
